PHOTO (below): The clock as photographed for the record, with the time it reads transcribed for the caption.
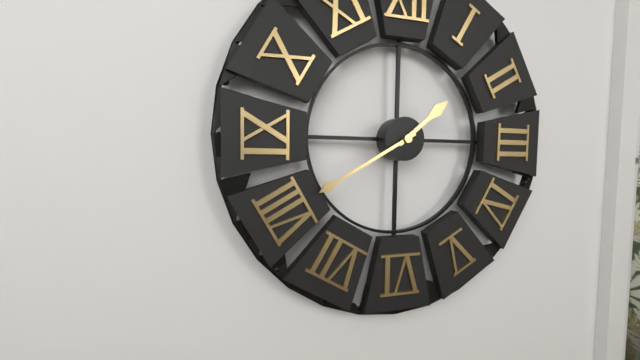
1:40
